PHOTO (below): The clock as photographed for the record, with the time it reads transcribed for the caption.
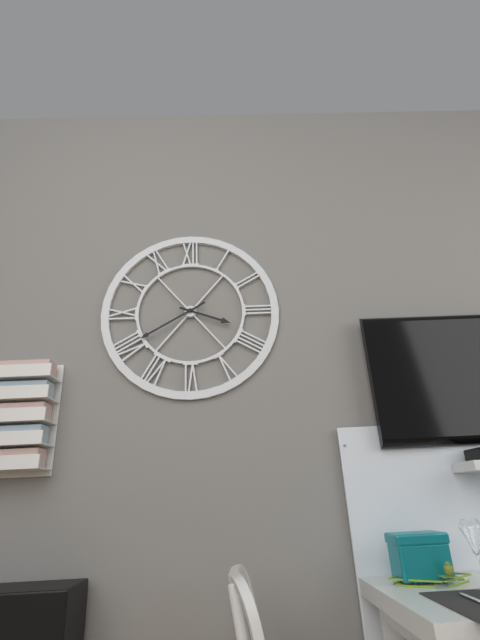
3:40
